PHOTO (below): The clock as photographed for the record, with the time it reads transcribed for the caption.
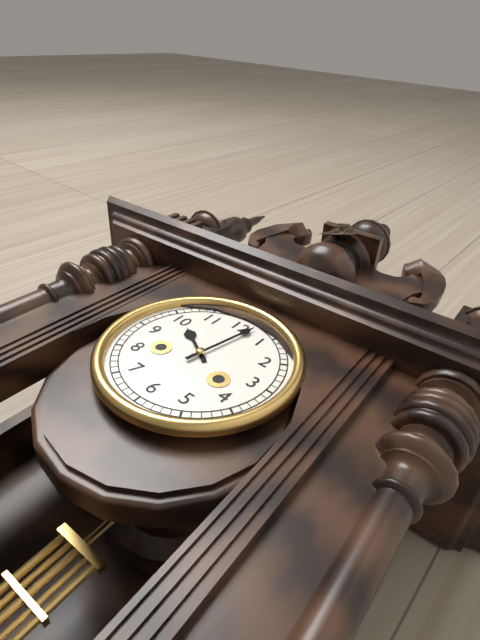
10:02
